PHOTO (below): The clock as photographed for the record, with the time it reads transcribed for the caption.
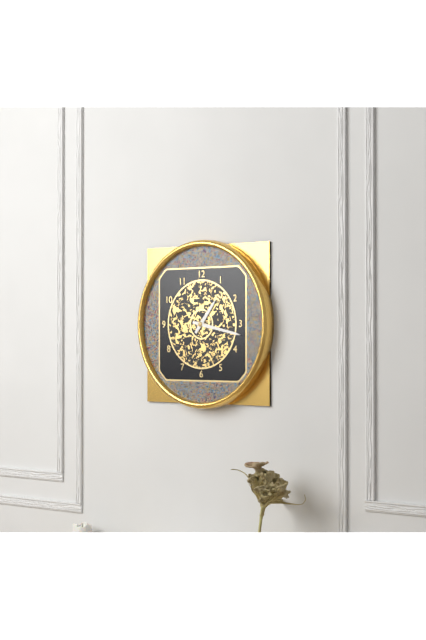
1:17
